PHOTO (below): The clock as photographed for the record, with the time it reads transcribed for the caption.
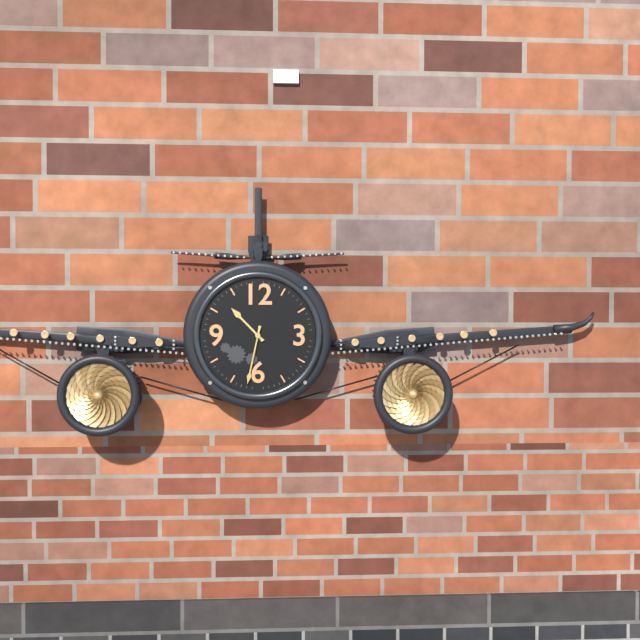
10:32
